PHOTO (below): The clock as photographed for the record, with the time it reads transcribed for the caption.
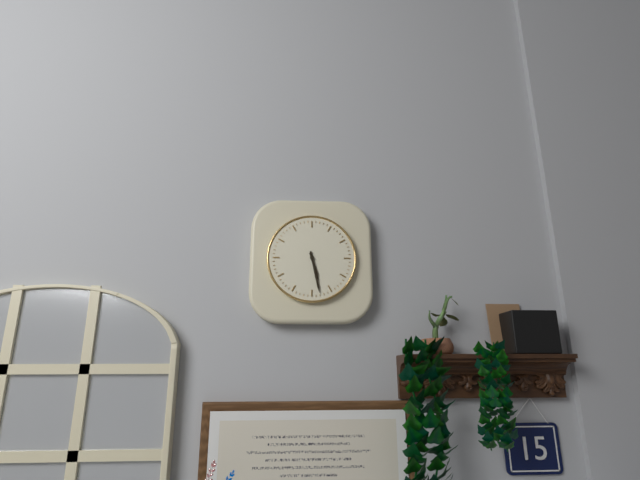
5:28
